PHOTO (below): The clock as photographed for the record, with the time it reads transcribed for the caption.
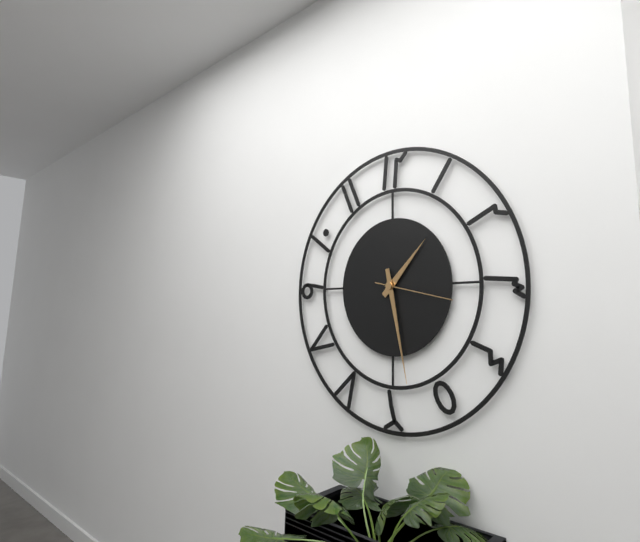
1:28:17
